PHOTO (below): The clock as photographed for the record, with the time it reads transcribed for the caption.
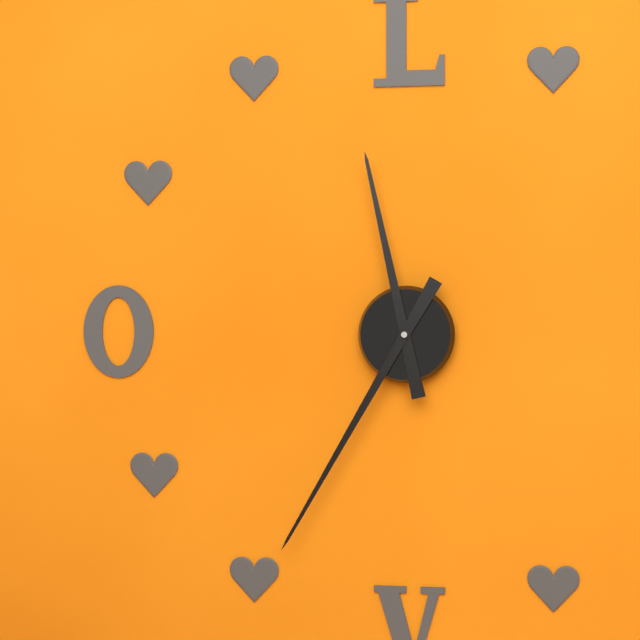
11:35
